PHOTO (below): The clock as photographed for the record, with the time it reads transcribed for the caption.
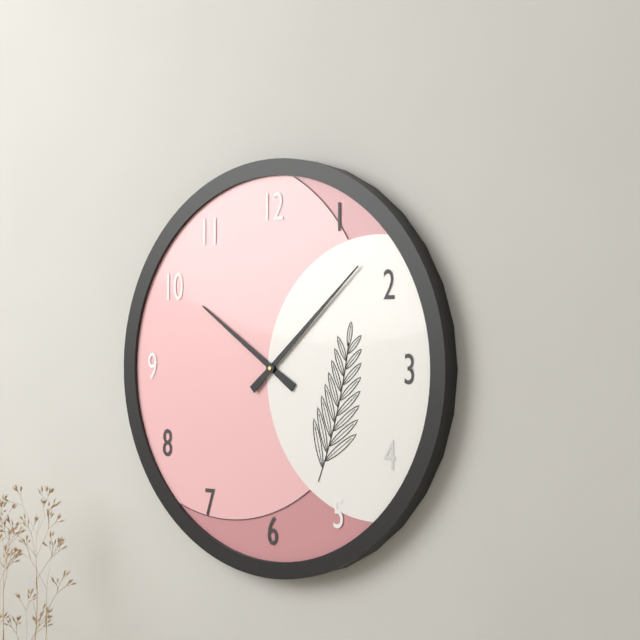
10:08
